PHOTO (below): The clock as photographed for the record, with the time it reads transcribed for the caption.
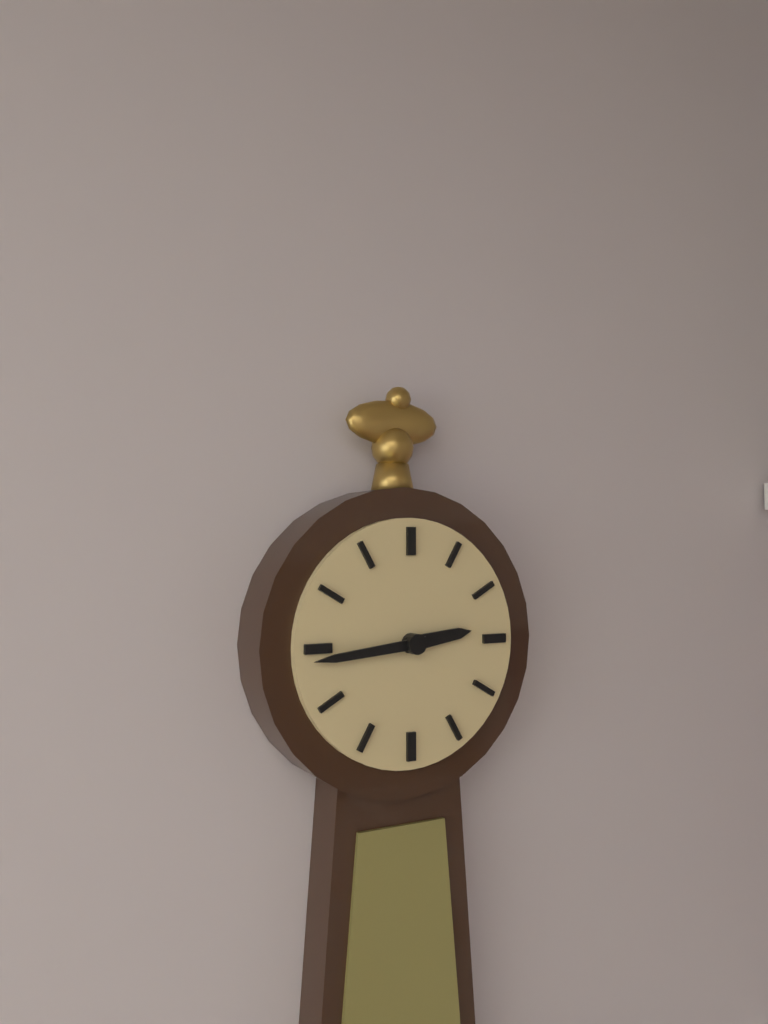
2:44
